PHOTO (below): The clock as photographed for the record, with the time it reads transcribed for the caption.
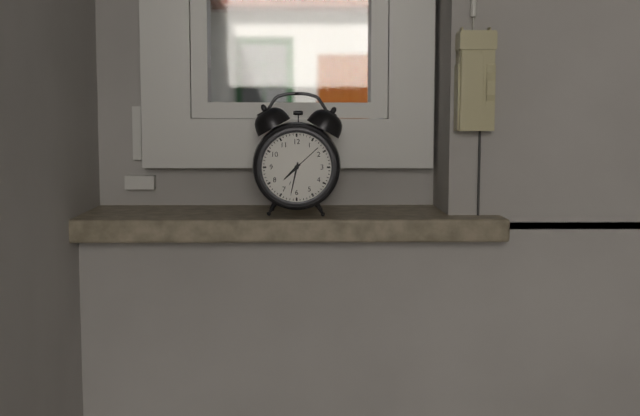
7:32
